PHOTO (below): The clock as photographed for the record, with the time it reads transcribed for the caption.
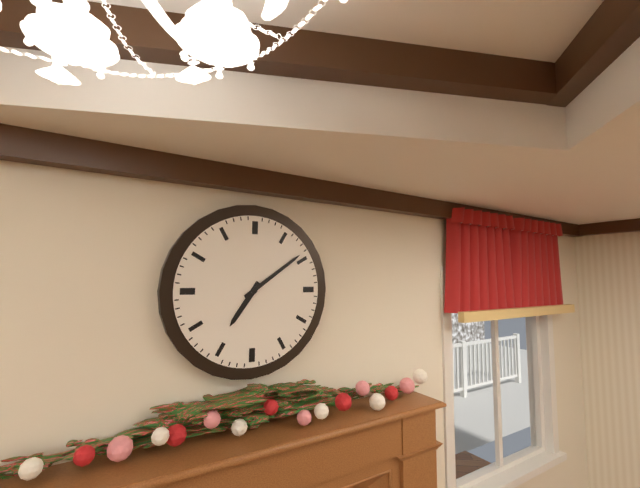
7:09
